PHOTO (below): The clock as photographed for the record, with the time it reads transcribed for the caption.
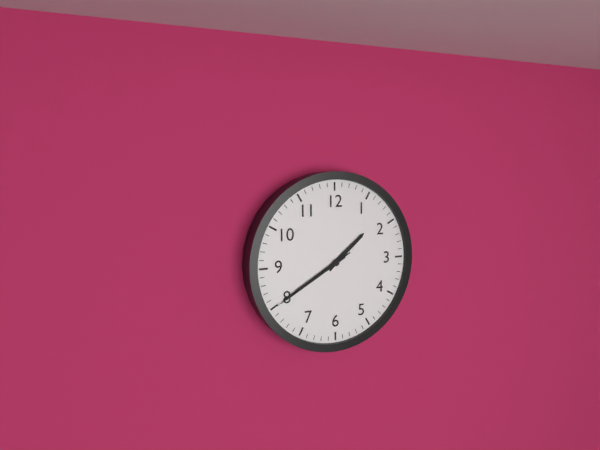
1:40:40
